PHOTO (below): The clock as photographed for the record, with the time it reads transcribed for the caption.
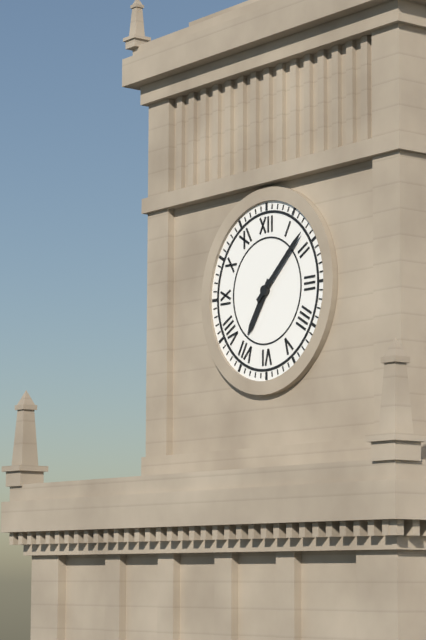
7:08
